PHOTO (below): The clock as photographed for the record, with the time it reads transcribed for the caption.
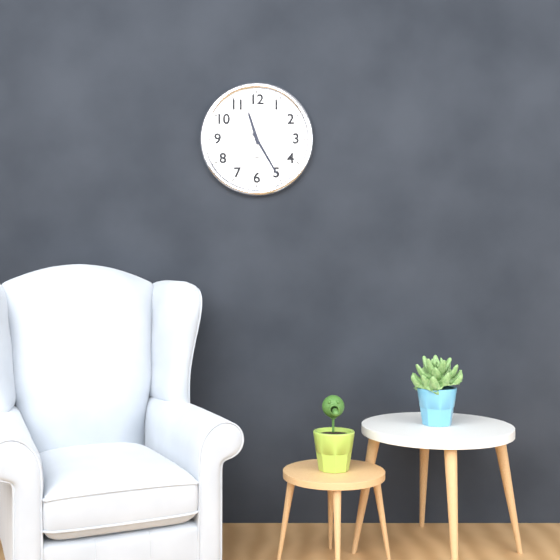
11:25
